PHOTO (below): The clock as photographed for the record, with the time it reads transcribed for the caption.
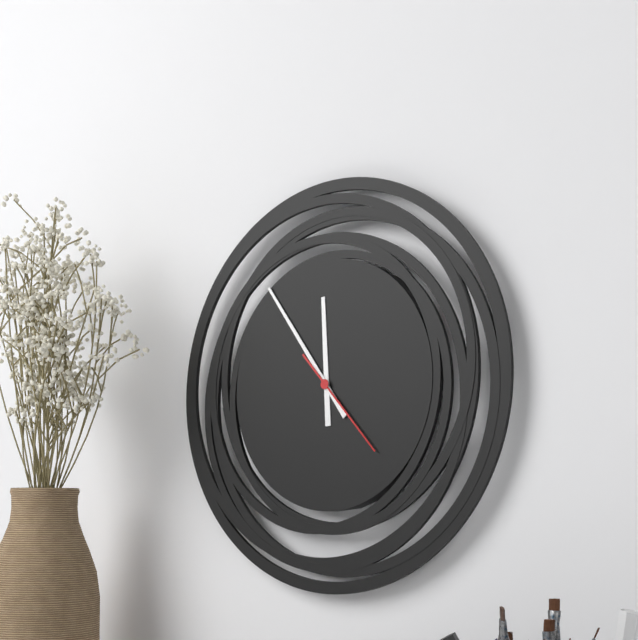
11:54:23
